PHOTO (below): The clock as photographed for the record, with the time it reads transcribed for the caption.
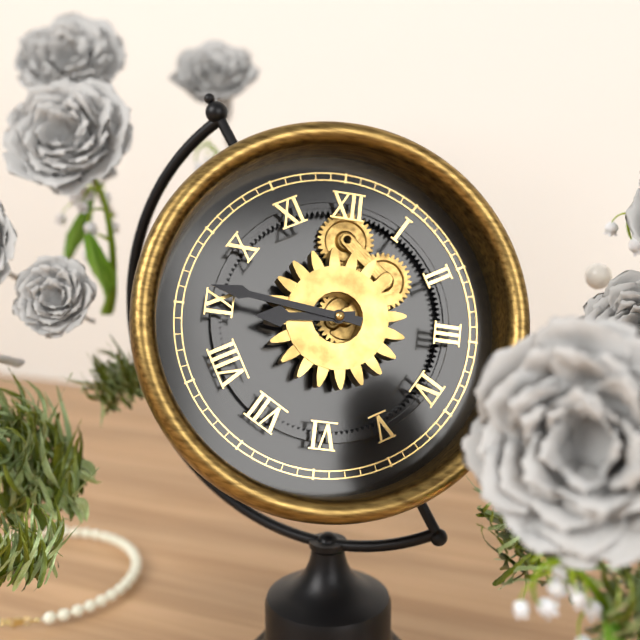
8:46
